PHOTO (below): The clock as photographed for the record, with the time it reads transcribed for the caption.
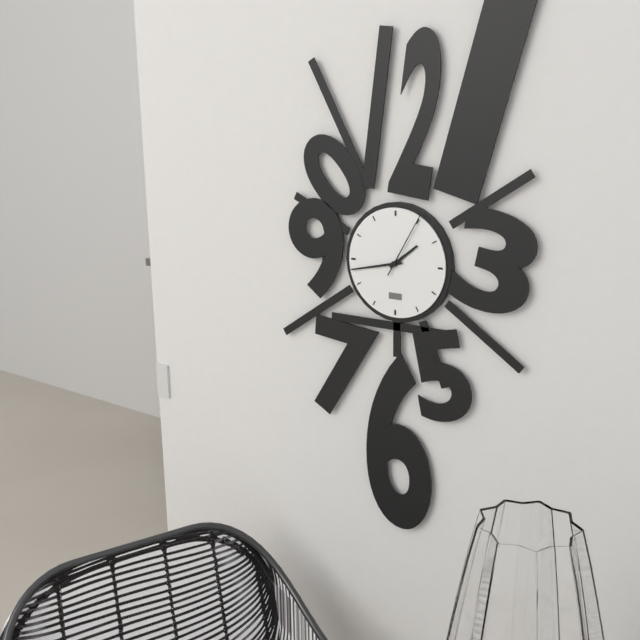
1:43:05
